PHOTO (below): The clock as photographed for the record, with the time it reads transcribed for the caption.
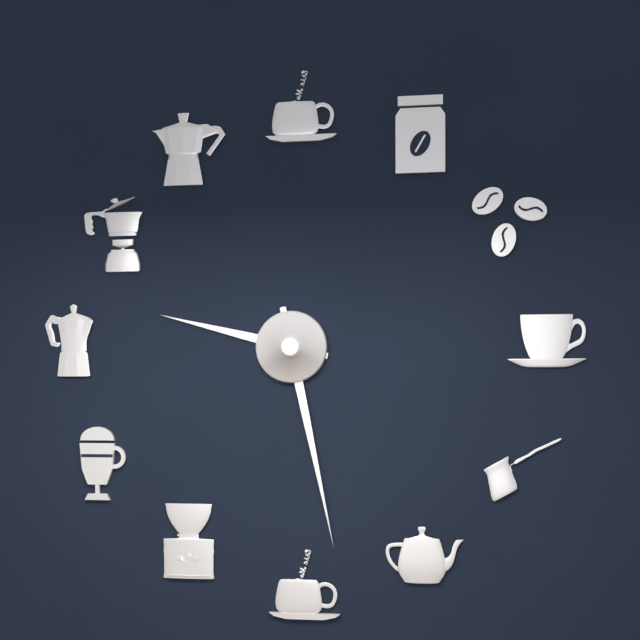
9:28
